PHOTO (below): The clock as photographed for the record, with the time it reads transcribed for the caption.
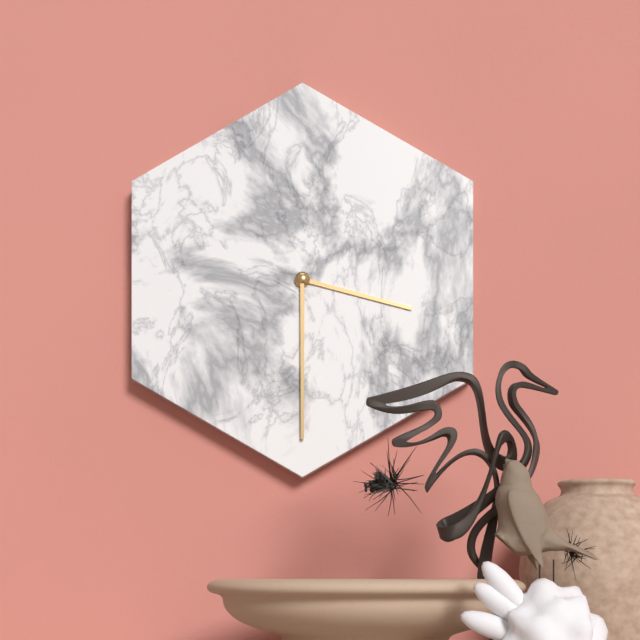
3:30
